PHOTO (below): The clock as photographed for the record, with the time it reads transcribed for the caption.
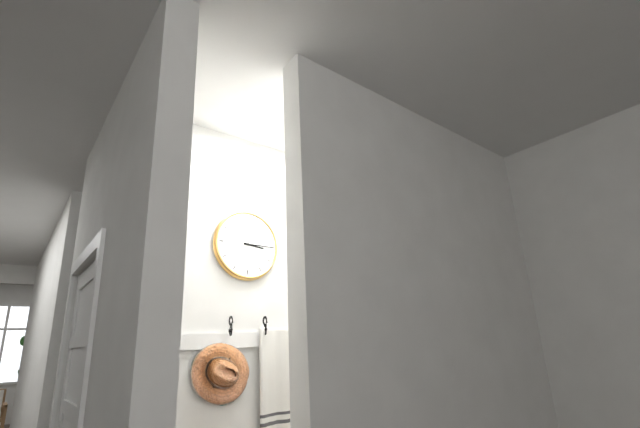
3:15
